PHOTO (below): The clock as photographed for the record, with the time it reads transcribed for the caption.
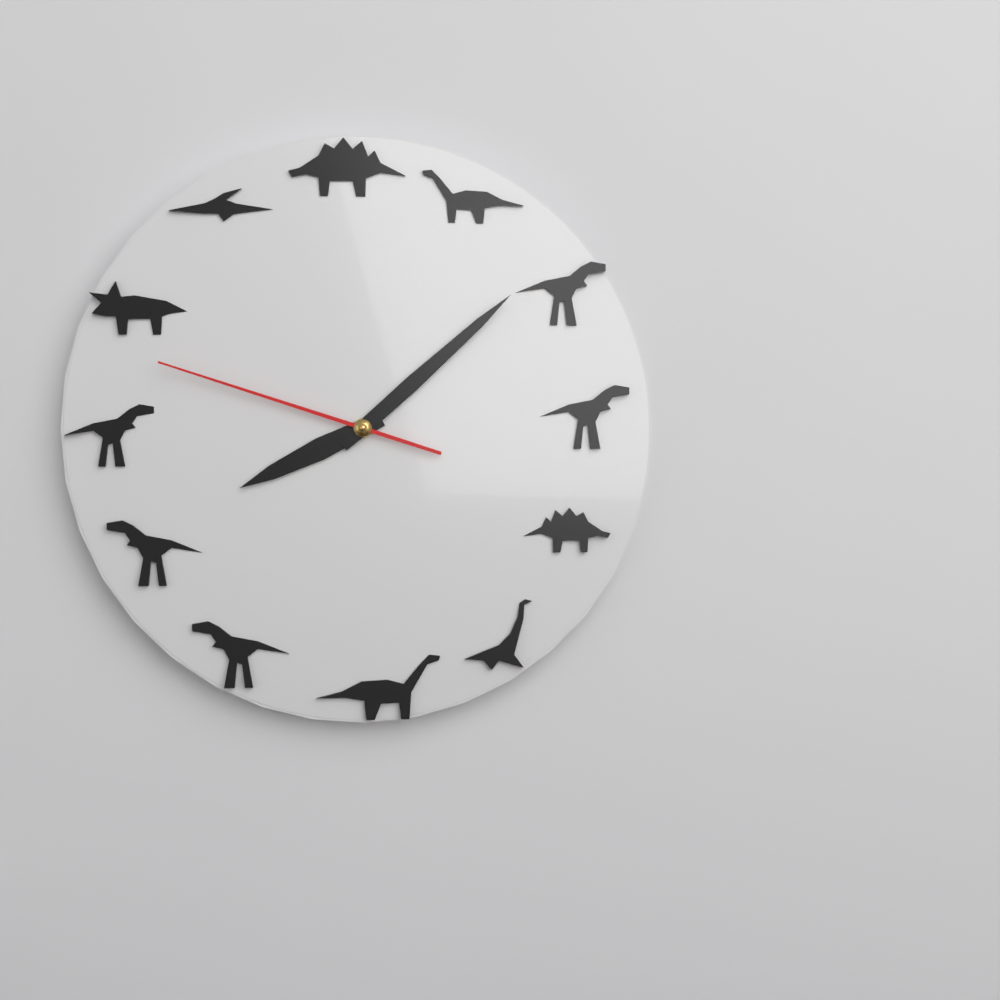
8:08:48
